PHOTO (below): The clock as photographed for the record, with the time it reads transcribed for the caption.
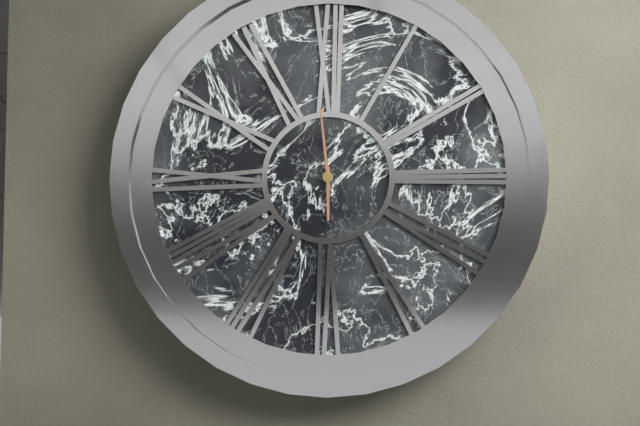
5:59
